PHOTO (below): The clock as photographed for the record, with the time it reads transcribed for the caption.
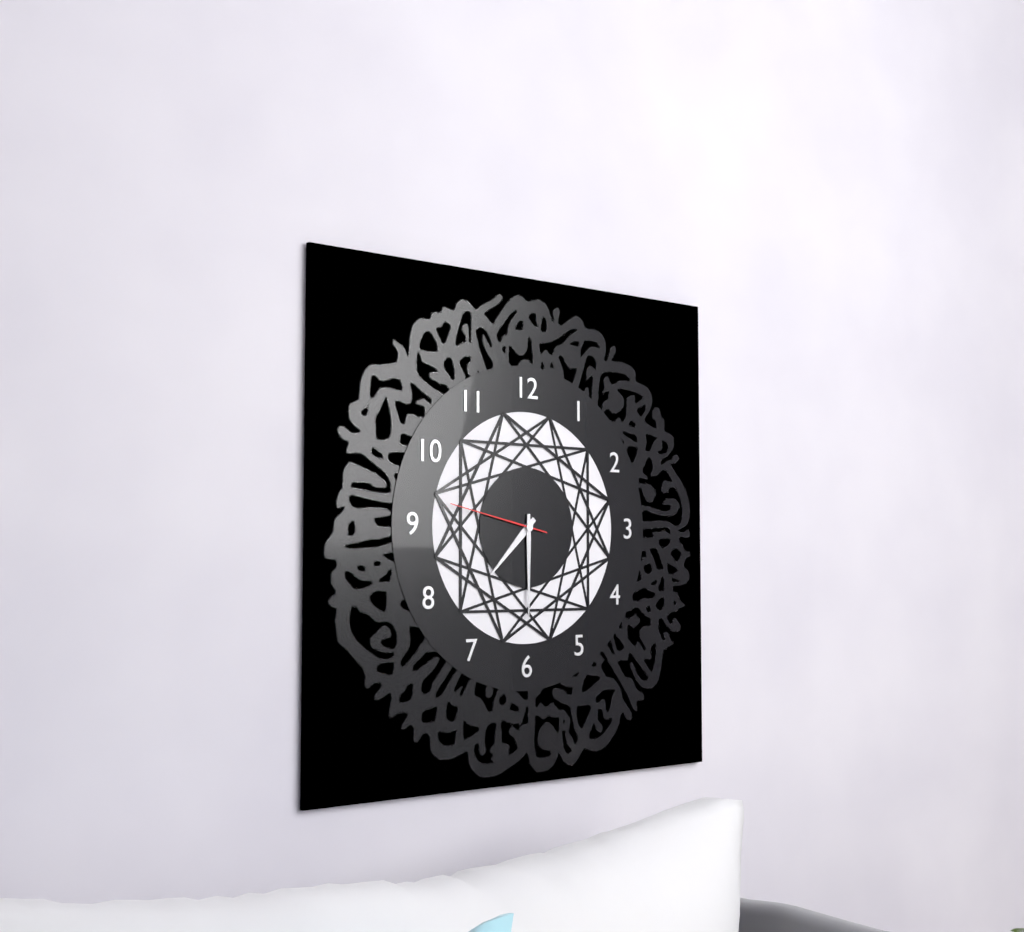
7:30:47
